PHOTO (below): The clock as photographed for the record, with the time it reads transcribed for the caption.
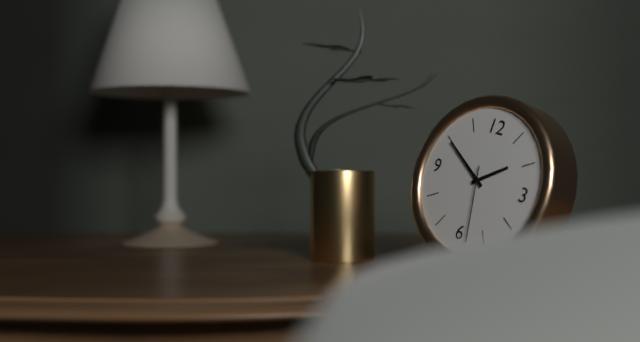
1:50:28
